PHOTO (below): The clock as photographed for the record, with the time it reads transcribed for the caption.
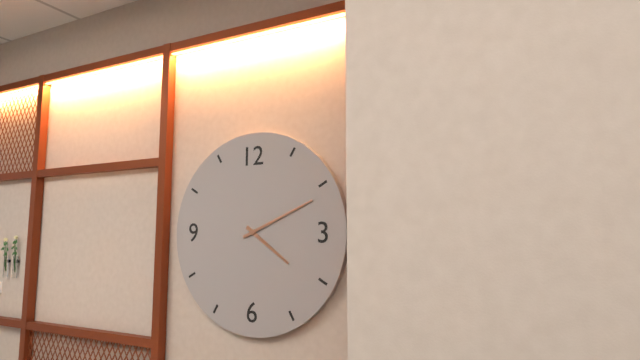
4:11
